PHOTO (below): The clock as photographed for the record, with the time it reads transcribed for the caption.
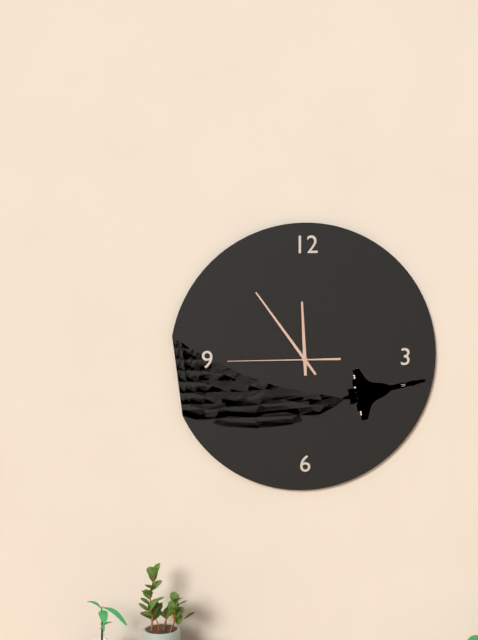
11:54:45
